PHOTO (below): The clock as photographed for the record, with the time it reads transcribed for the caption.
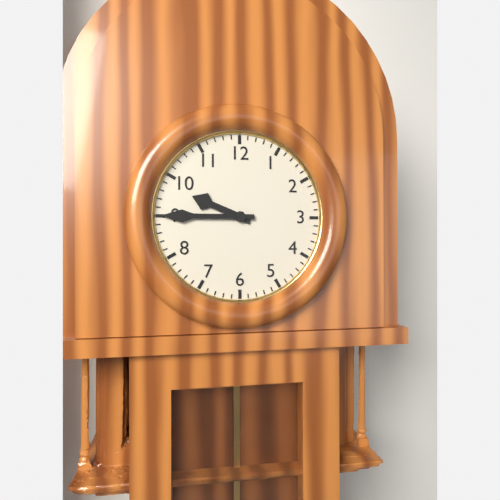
9:45
